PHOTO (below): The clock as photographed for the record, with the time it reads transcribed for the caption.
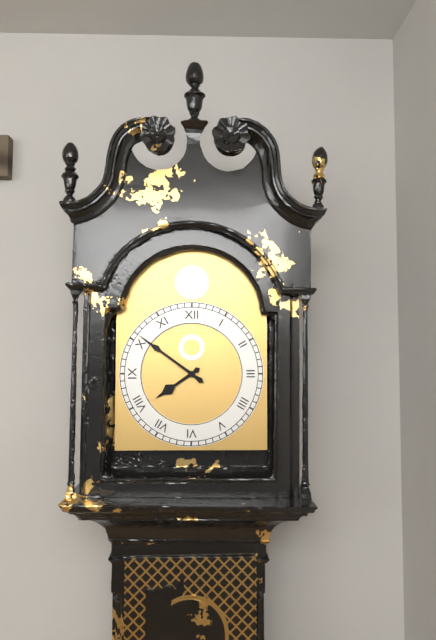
7:51
